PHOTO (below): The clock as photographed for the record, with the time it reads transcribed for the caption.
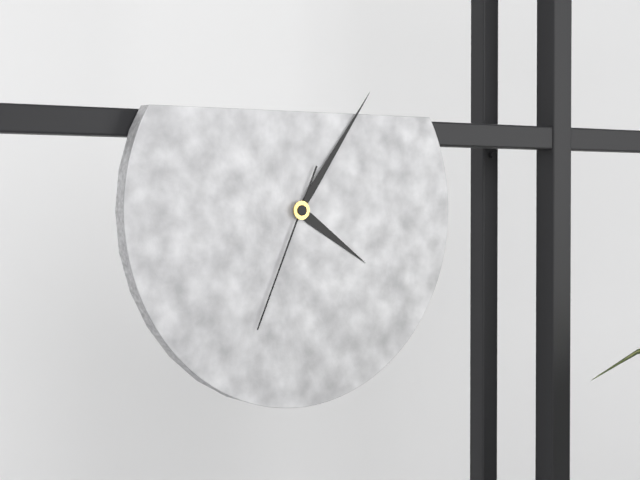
4:06:34
